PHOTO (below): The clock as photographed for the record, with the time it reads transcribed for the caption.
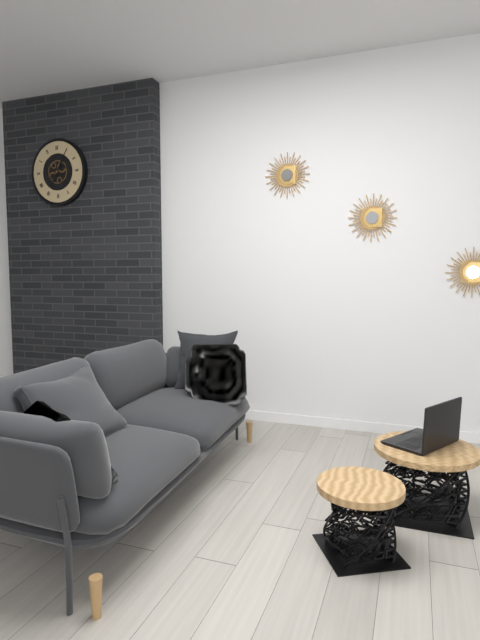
7:05
